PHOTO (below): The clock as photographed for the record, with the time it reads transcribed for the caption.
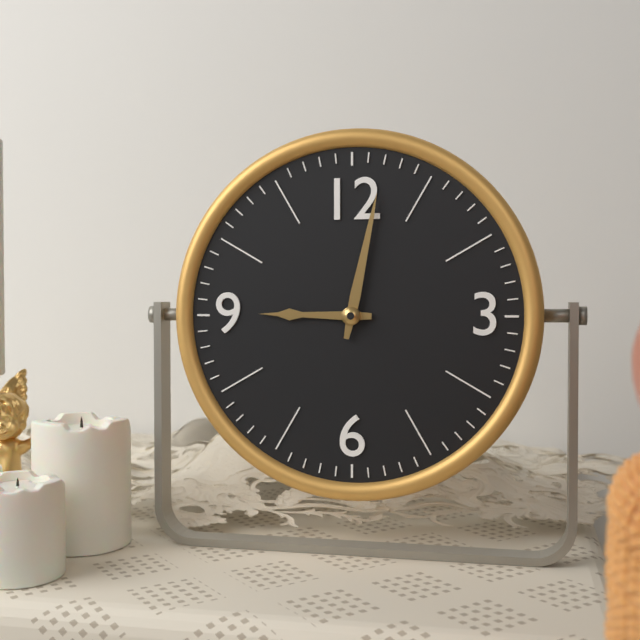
9:02
